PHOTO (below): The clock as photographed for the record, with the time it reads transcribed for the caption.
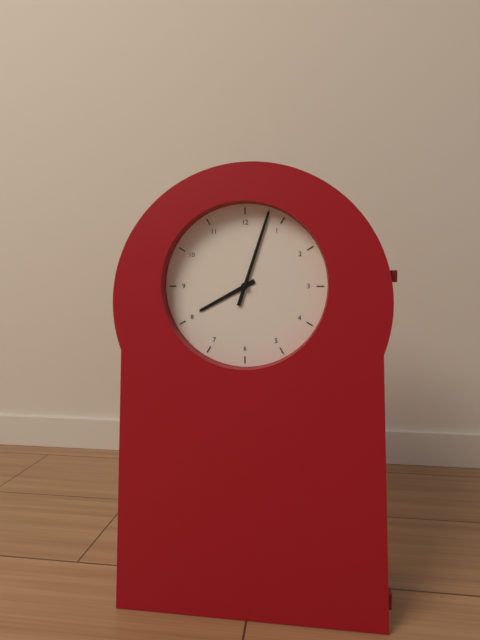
8:03
